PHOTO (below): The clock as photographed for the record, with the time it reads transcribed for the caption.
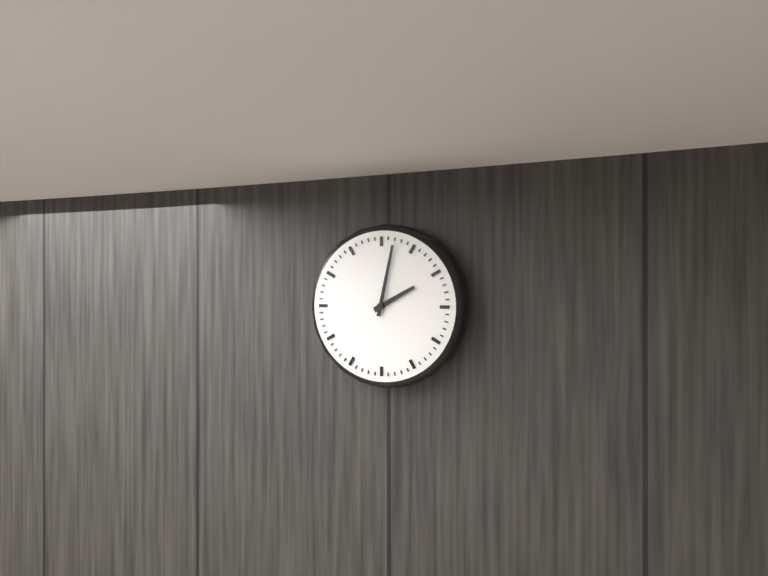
2:02
